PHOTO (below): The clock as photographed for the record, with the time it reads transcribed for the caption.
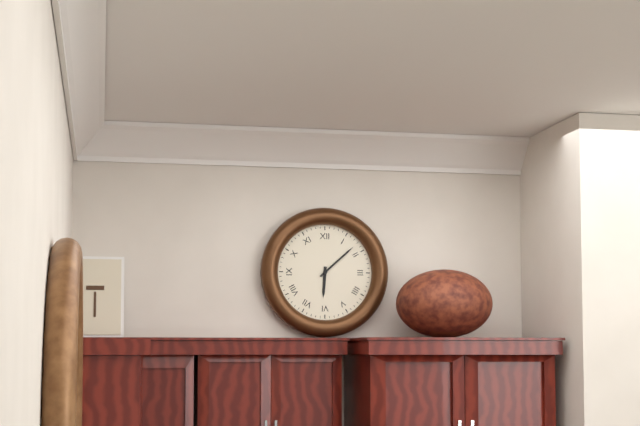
6:08
